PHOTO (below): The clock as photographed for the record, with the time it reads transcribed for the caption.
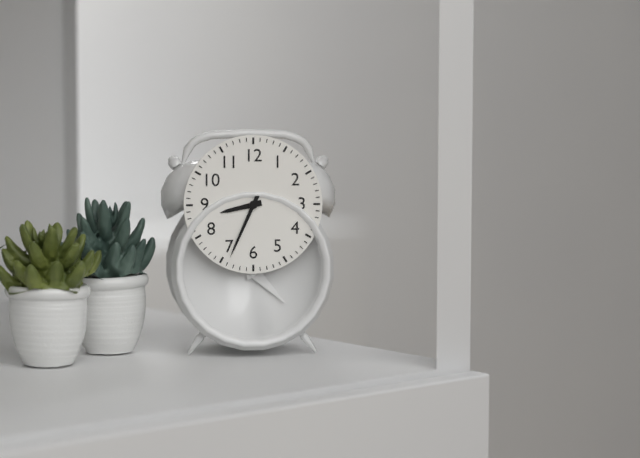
8:34
